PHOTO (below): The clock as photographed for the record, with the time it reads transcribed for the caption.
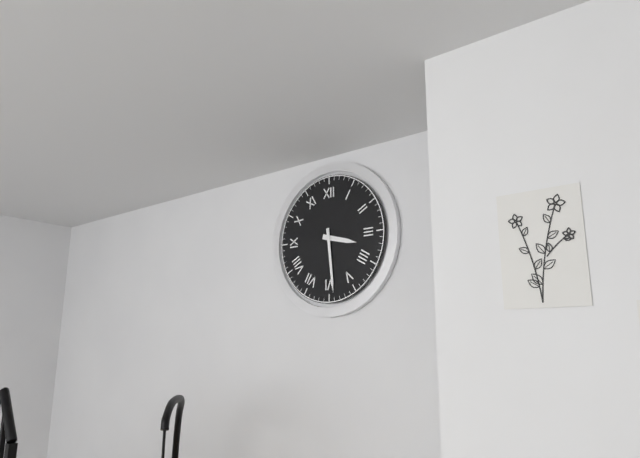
3:29
